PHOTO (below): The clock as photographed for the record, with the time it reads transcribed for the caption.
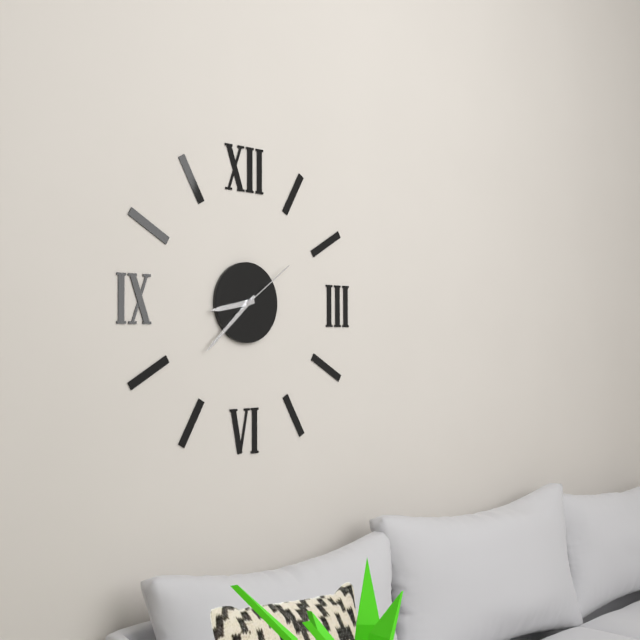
8:38:09
